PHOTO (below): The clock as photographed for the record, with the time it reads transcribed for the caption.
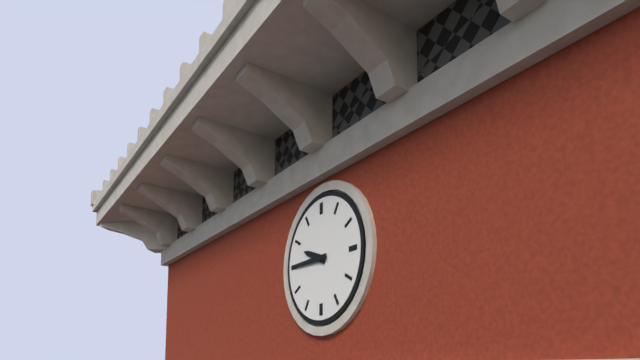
9:45
